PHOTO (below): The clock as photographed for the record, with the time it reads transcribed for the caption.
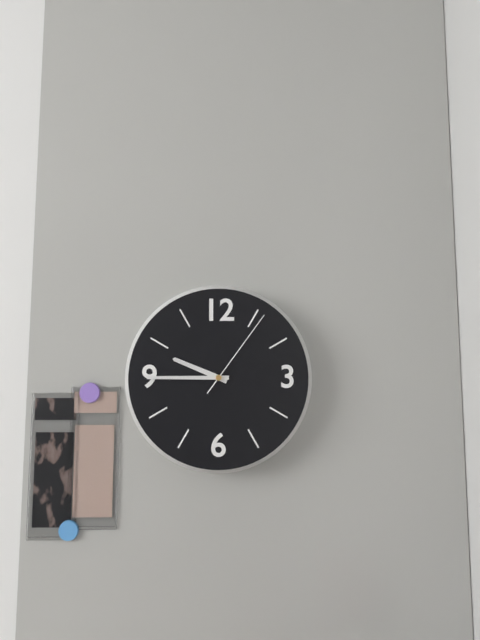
9:45:06
